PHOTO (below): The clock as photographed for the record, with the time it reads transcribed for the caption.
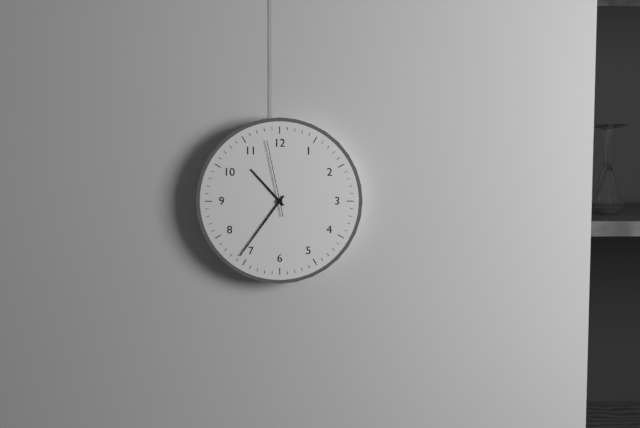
10:36:58
